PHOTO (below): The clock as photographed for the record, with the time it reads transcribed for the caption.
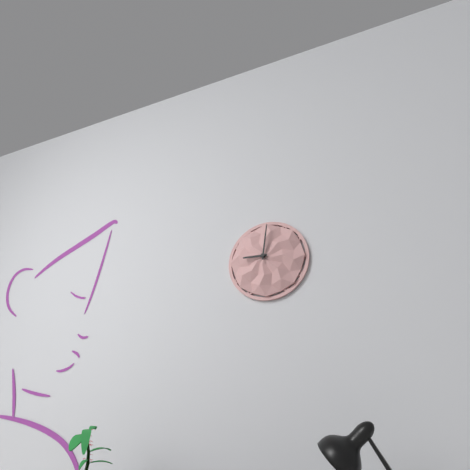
9:01
